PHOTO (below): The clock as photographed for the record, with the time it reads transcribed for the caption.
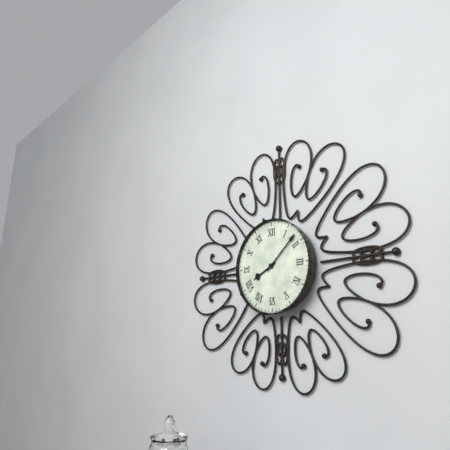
8:08
